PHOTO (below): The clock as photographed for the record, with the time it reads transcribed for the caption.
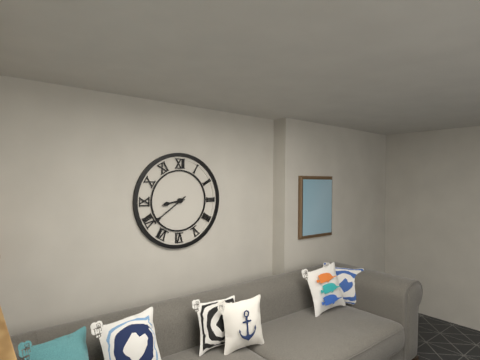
8:39
